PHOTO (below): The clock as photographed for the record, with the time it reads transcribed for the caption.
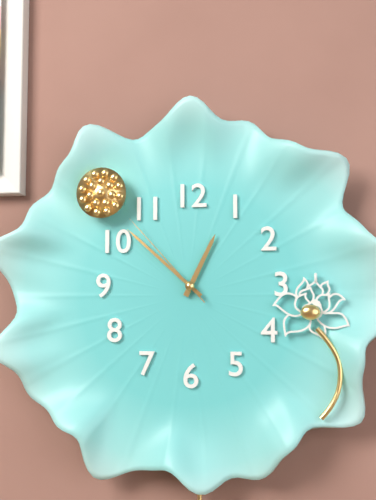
12:52:53
